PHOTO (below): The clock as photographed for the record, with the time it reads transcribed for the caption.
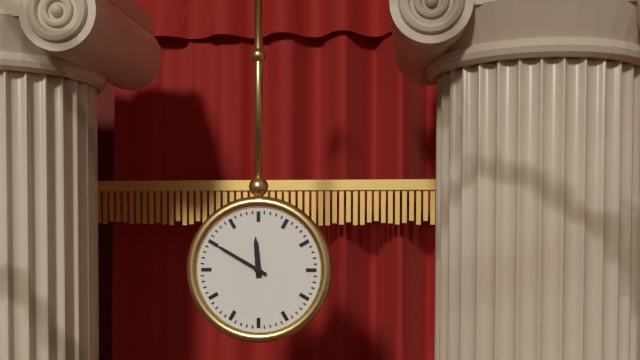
11:50
